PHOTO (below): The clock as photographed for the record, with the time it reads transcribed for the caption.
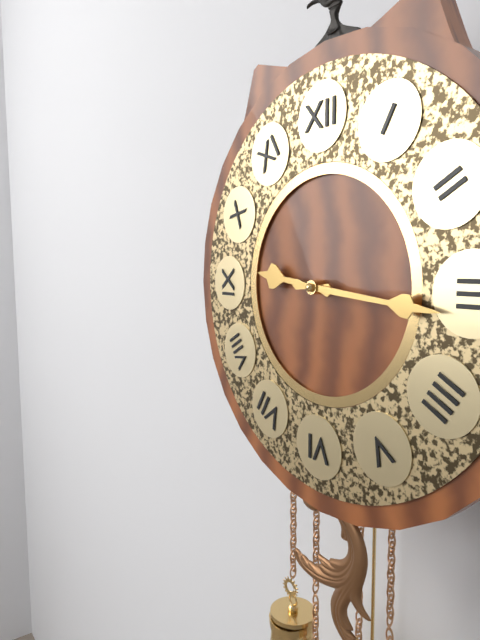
9:16
